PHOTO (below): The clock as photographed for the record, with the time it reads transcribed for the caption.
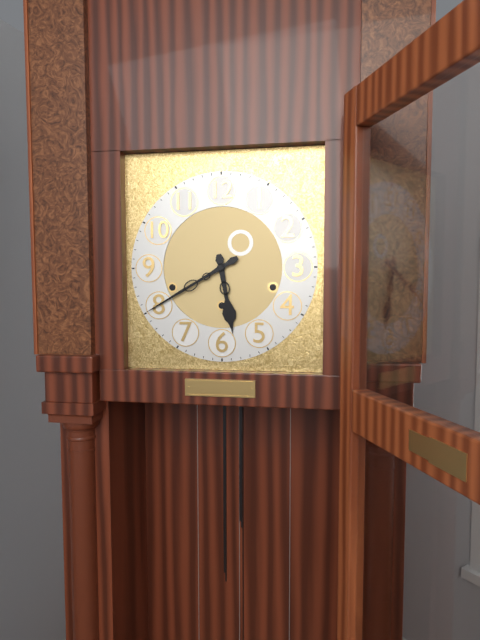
5:40
